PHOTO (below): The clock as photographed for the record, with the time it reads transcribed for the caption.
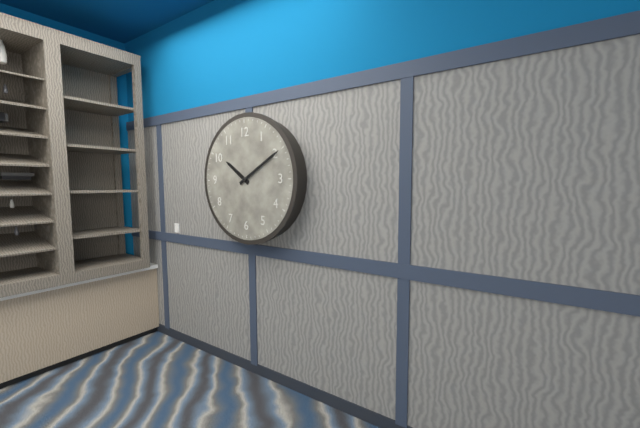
10:10
